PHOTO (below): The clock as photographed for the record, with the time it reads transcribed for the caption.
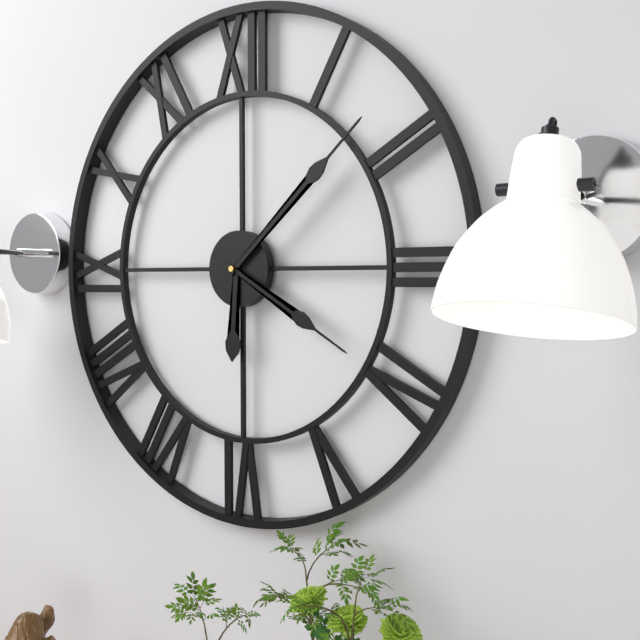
6:08:20
